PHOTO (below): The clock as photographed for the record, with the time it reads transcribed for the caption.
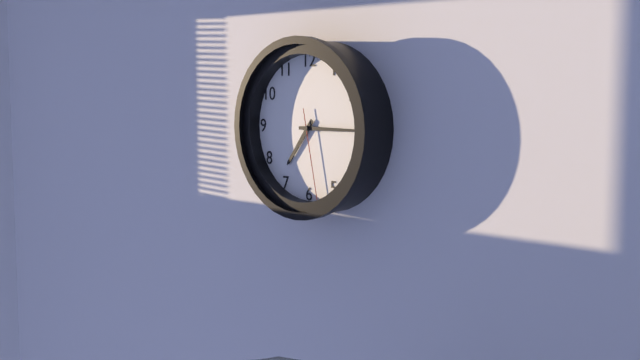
7:15:28
